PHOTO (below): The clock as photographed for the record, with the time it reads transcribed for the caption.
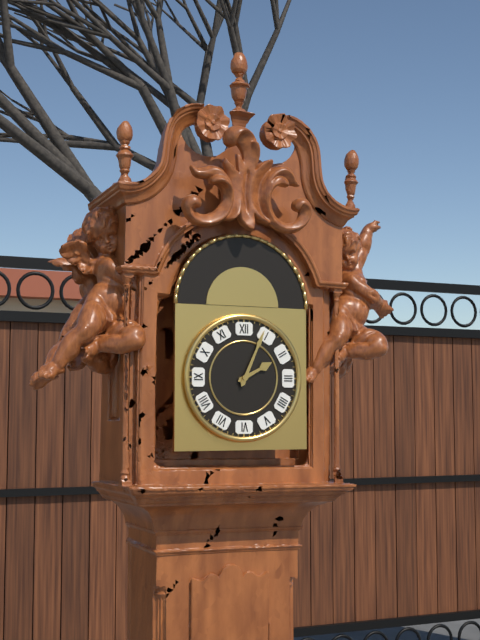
2:04
